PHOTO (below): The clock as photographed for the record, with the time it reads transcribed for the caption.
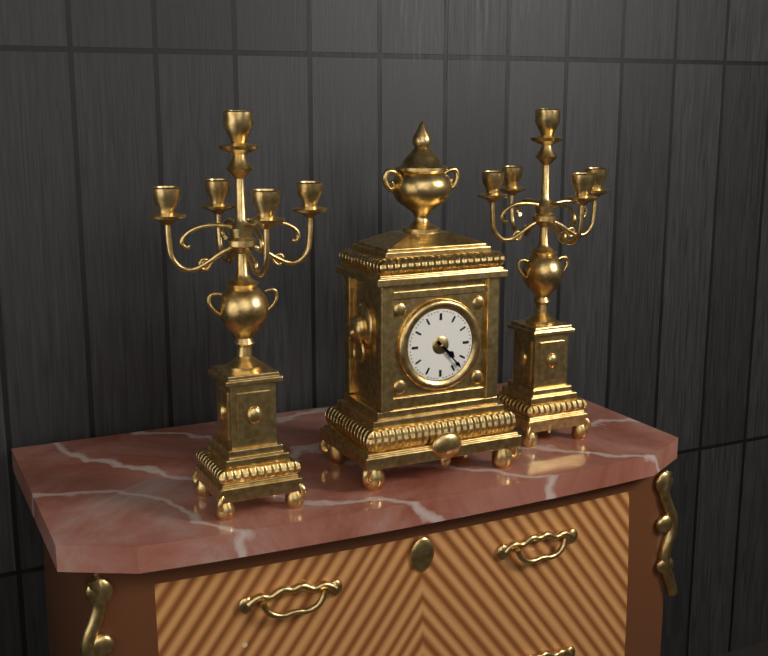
4:23
